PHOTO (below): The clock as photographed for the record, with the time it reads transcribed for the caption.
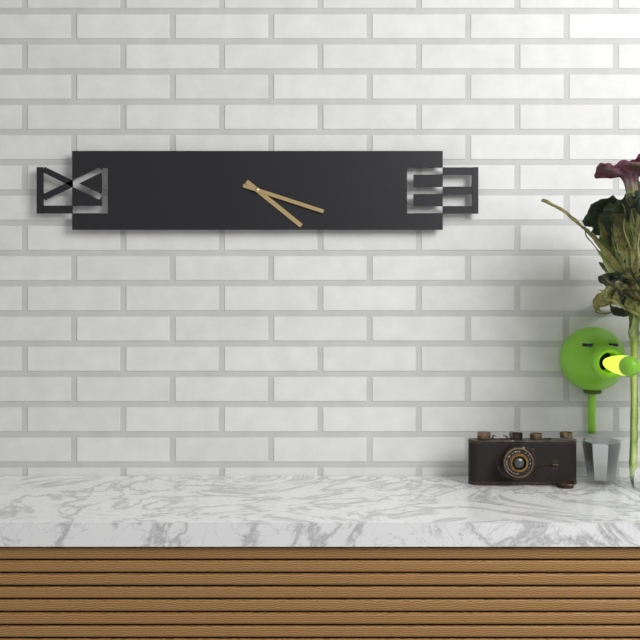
4:18
